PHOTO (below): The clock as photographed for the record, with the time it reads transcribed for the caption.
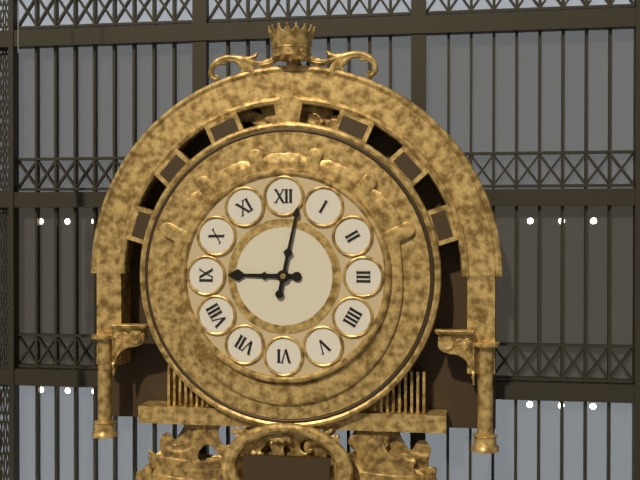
9:02
